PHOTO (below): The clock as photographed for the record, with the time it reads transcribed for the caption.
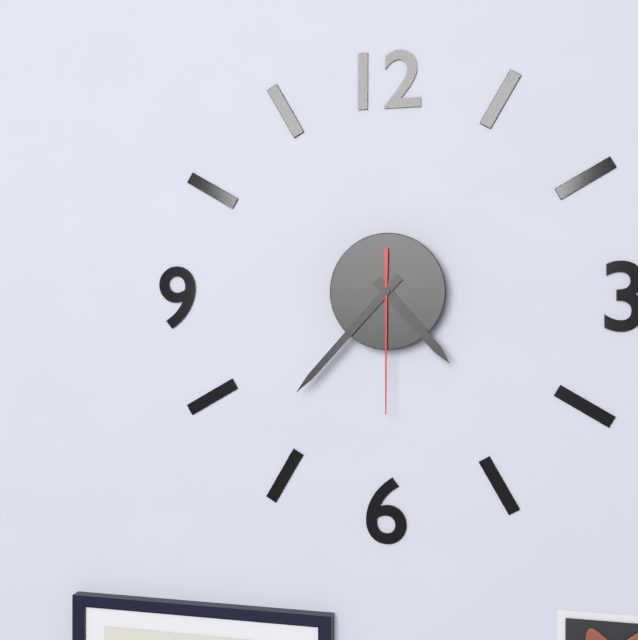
4:37:30
